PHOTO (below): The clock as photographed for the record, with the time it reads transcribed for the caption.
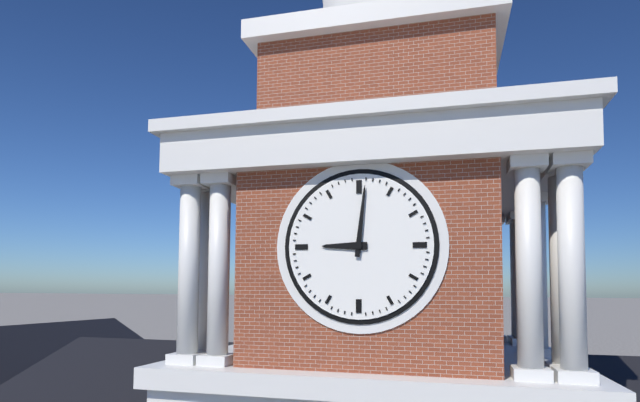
9:01
